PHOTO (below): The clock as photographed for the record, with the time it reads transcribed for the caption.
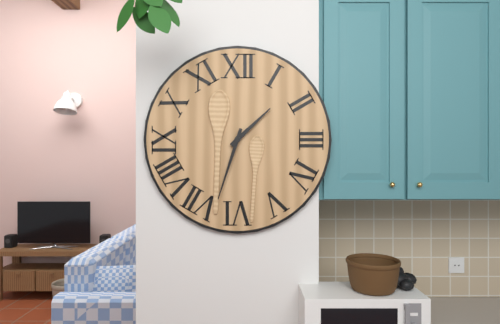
1:33
